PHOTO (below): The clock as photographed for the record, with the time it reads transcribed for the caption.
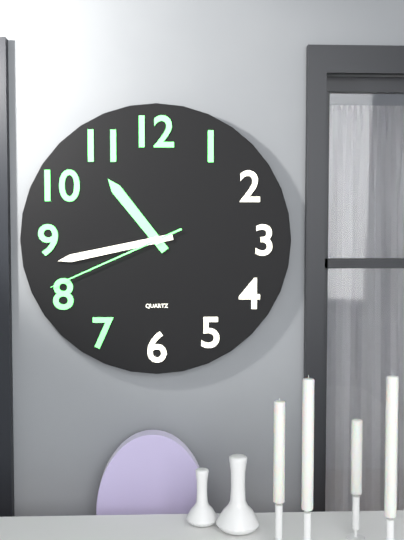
10:43:41
